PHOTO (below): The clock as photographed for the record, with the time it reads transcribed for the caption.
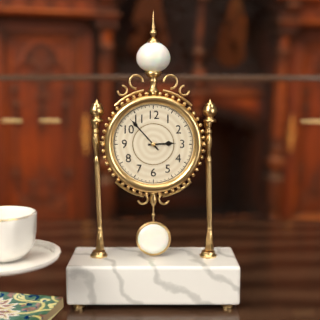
2:53
